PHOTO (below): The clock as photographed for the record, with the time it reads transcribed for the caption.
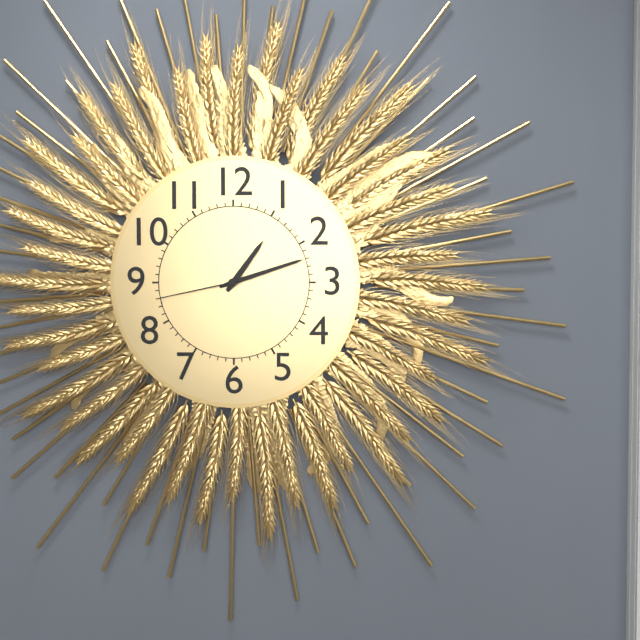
1:12:43
